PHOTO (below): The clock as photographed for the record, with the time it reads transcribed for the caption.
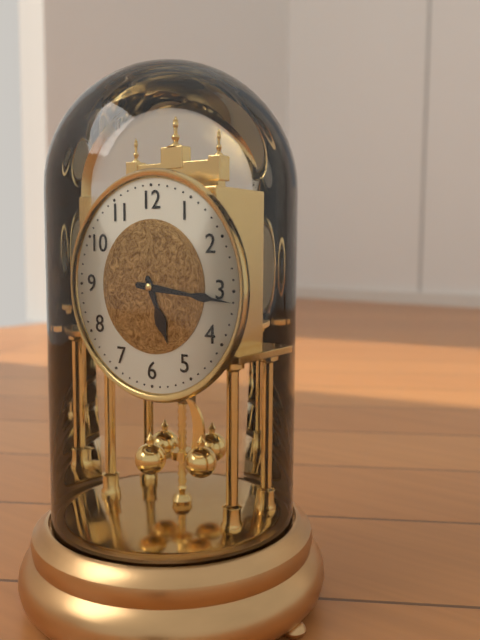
5:16
